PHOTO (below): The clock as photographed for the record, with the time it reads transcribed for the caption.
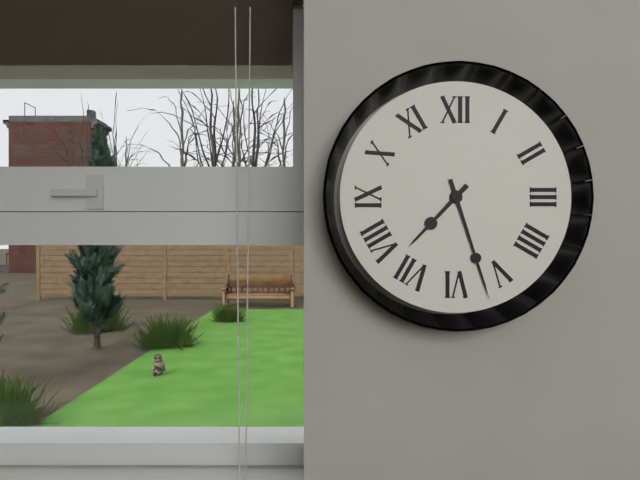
7:27
